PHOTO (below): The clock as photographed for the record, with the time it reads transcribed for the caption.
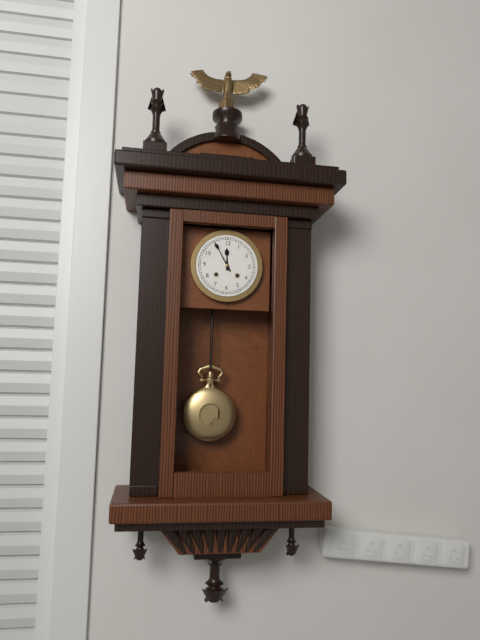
11:55
